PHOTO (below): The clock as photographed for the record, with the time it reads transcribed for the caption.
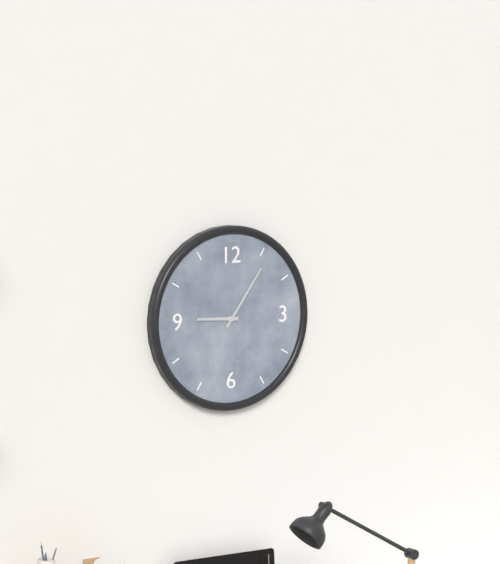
9:06
